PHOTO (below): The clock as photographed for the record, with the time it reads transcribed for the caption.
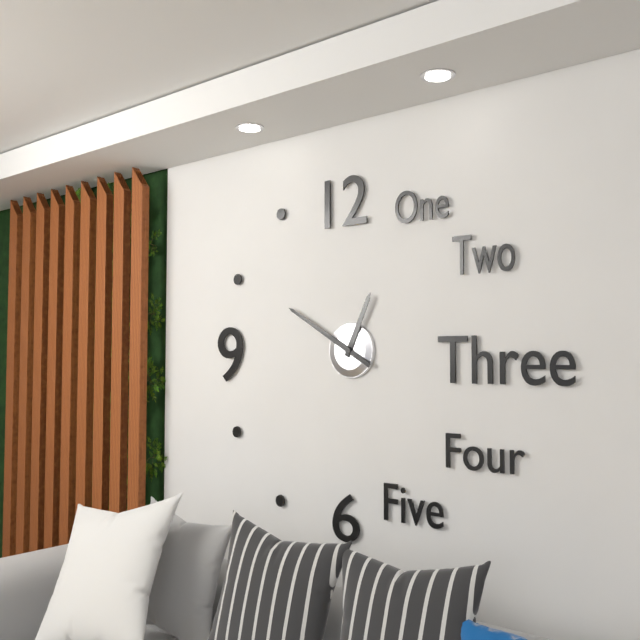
12:50
